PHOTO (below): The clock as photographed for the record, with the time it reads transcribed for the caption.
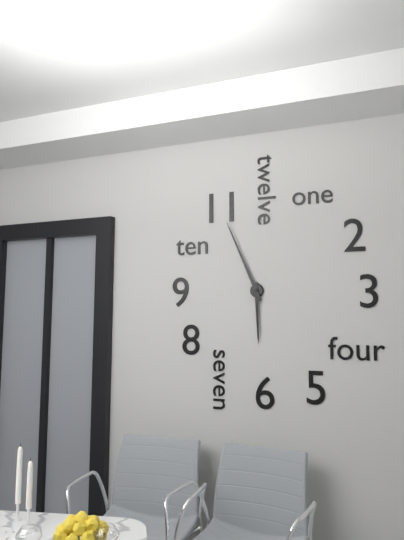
5:56
